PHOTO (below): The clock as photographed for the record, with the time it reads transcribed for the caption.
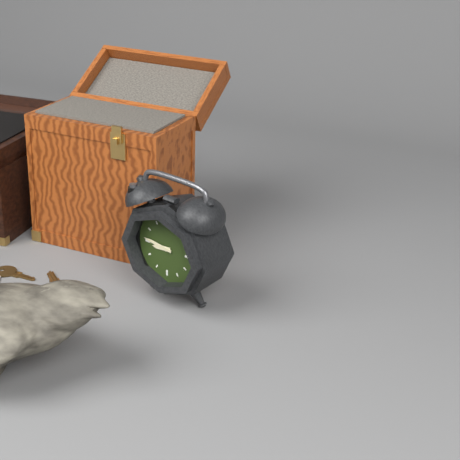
8:46
